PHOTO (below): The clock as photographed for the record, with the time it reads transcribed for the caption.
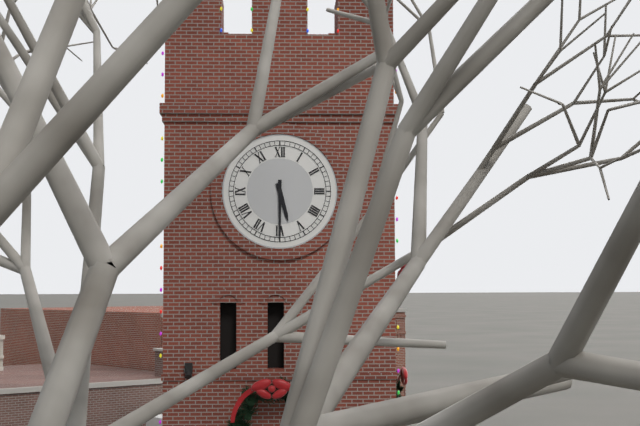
5:30
